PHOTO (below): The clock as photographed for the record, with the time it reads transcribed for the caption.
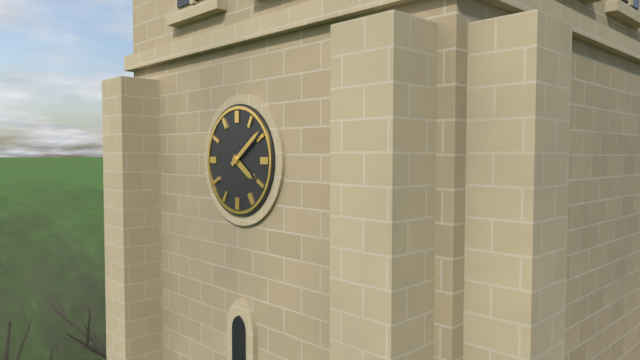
4:09
